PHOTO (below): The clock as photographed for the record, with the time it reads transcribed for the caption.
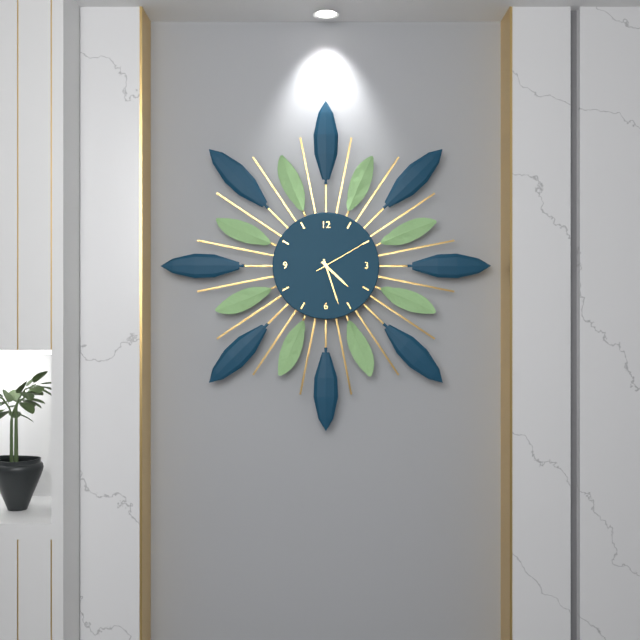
4:27:10
